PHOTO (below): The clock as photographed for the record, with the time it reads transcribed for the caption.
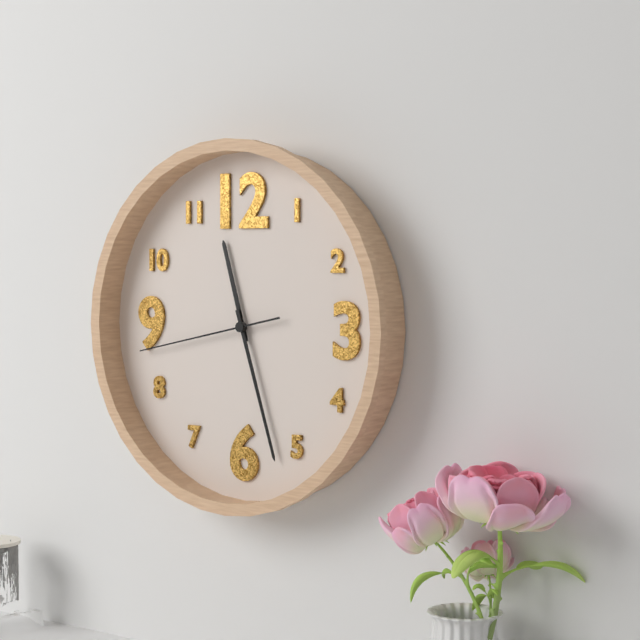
11:27:43
